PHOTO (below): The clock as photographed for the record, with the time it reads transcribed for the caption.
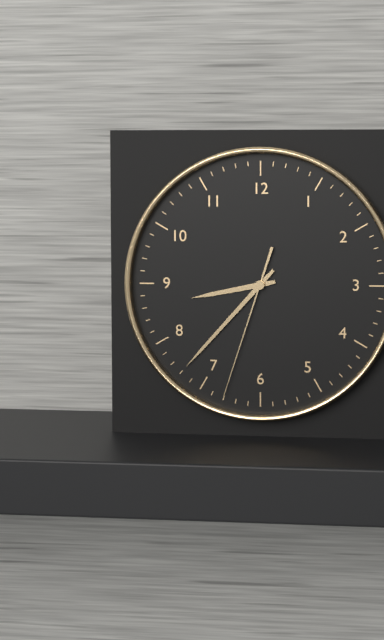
8:37:33
